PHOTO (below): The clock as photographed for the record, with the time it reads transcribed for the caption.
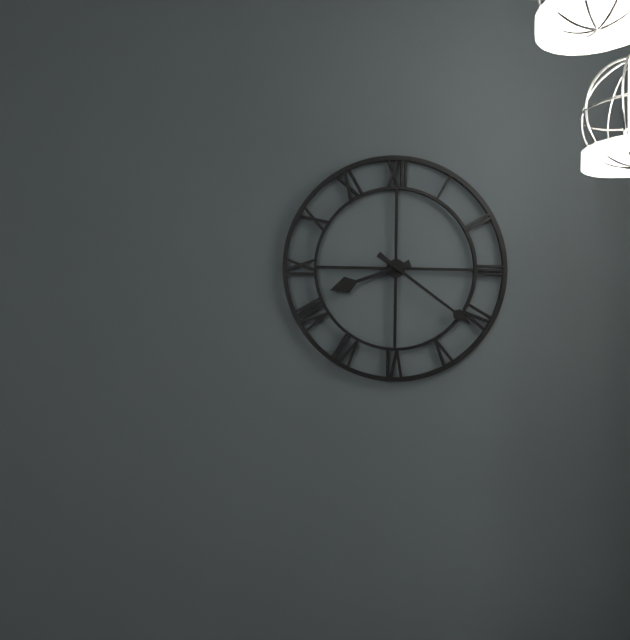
8:21
